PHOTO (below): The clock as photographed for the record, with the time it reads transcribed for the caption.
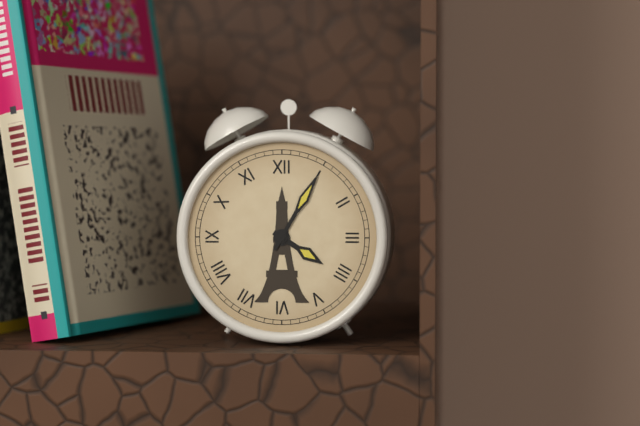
4:05
